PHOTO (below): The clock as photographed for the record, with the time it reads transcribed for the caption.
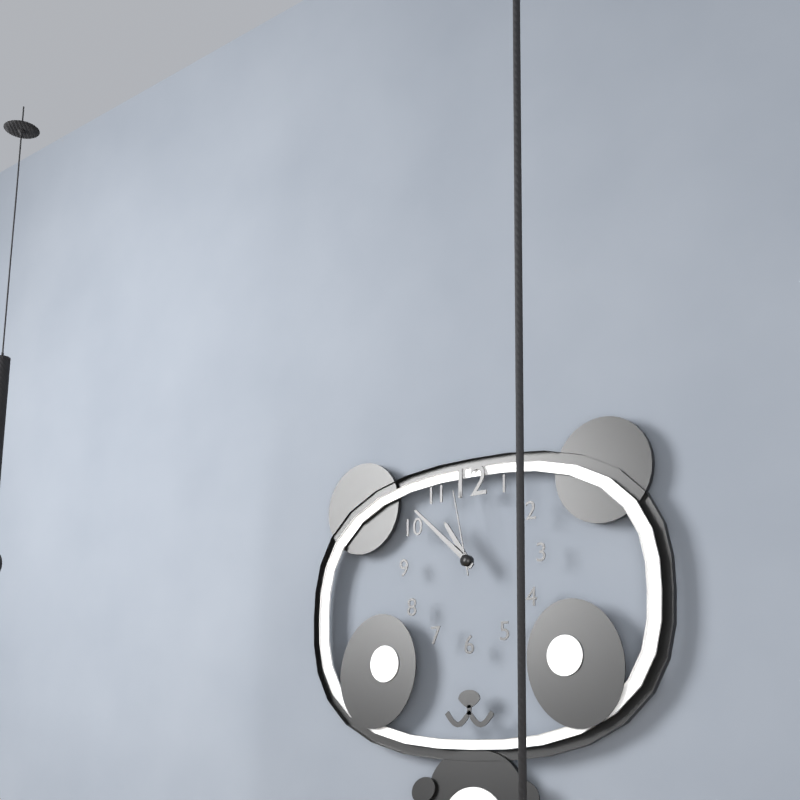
10:52:58
